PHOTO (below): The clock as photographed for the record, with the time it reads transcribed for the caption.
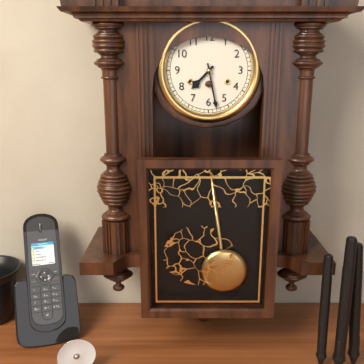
7:28
